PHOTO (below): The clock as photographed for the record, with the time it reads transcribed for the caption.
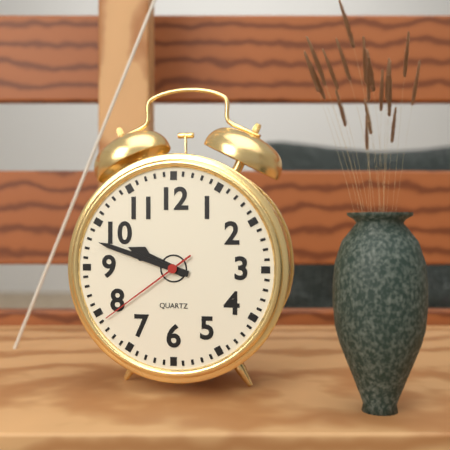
9:48:39
